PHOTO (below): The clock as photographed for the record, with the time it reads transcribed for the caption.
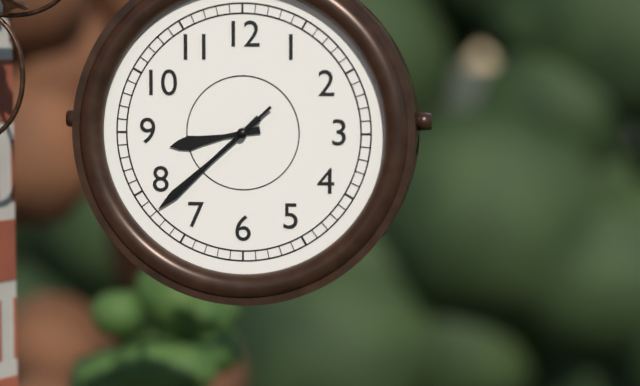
8:38:38
